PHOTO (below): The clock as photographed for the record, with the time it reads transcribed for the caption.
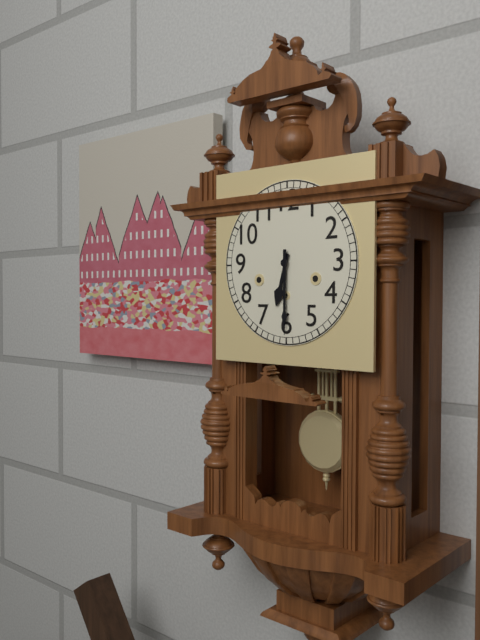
6:30
